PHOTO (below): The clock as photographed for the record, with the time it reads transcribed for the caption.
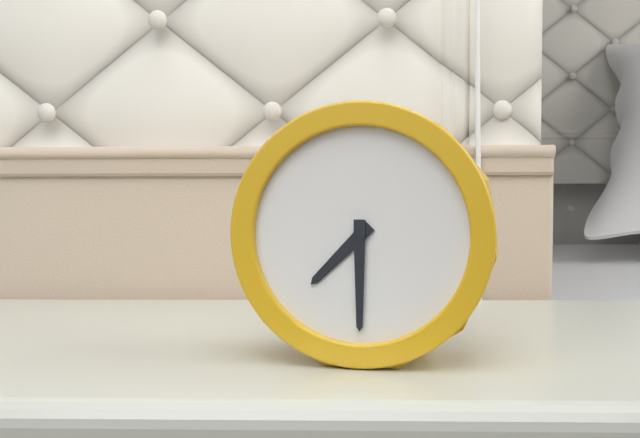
7:30
